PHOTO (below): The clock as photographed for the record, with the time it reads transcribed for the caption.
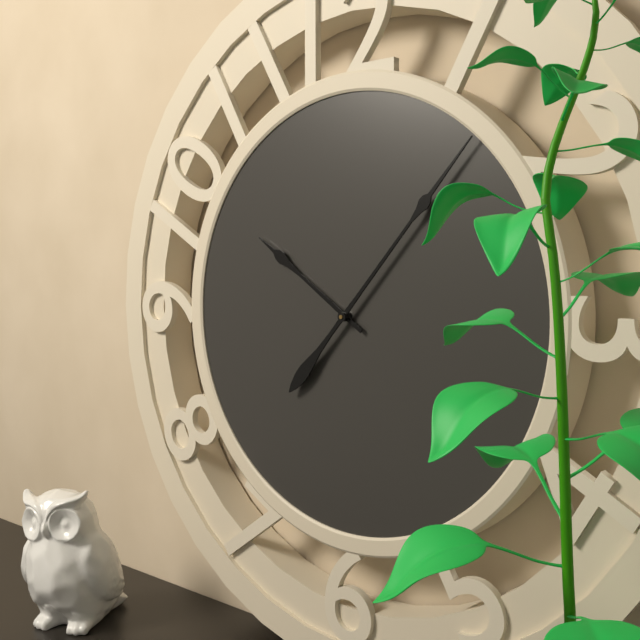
10:07
